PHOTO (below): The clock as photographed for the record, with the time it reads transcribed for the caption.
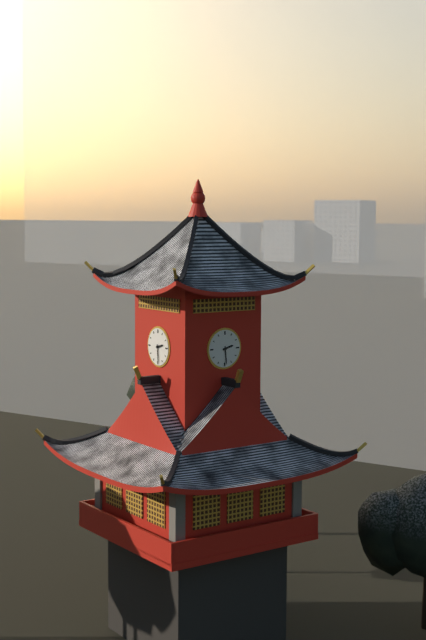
2:29
